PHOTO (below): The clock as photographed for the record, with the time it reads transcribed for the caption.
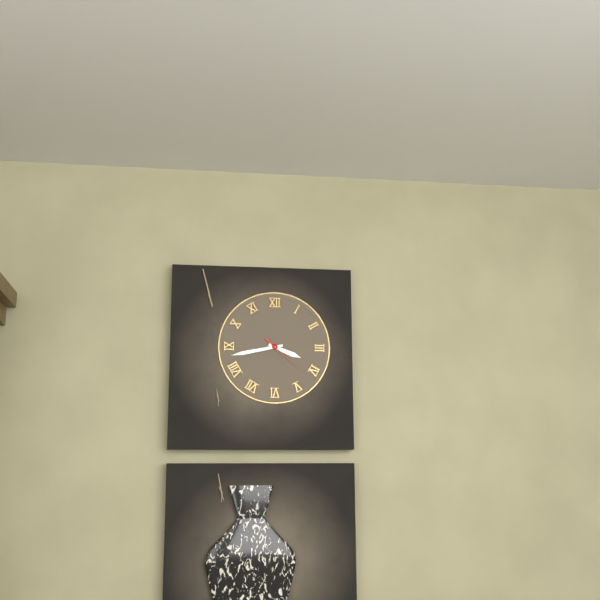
3:43
